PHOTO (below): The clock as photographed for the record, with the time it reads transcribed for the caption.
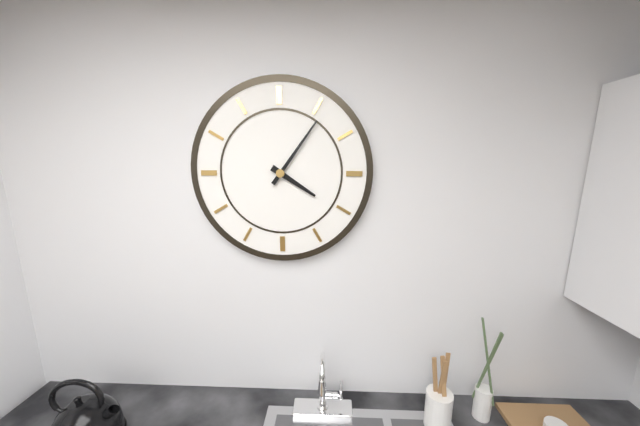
4:06
